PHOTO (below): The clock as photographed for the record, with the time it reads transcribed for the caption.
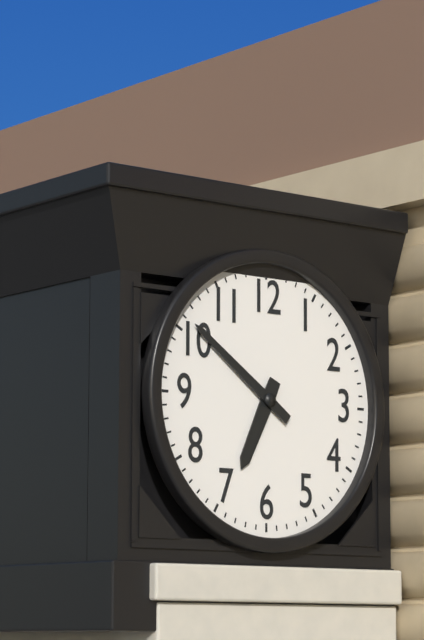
6:51
